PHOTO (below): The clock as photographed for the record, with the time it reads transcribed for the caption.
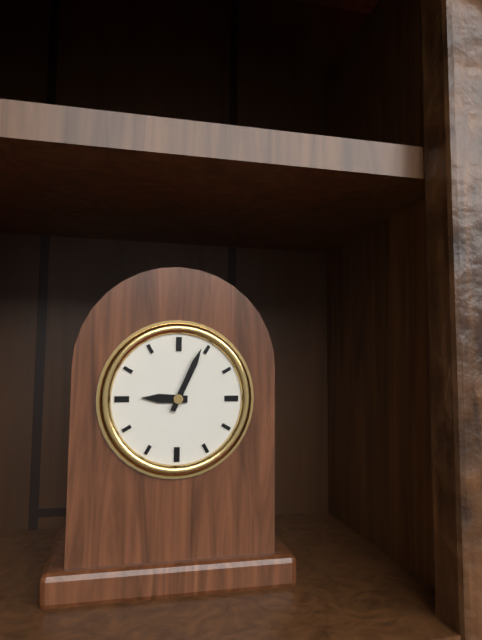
9:04
